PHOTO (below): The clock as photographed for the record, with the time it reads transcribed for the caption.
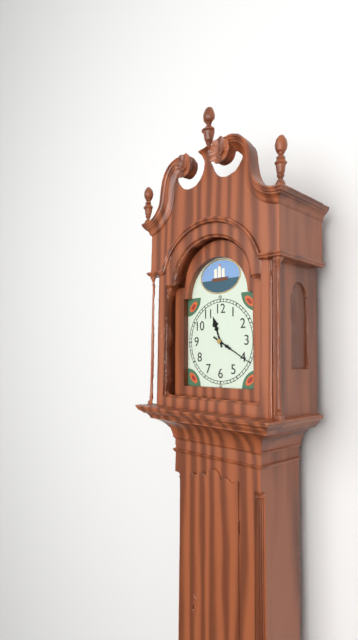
11:20
